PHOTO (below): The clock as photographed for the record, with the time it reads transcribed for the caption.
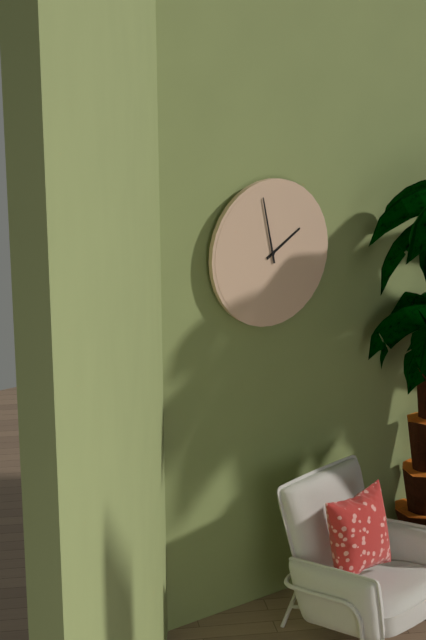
1:58
